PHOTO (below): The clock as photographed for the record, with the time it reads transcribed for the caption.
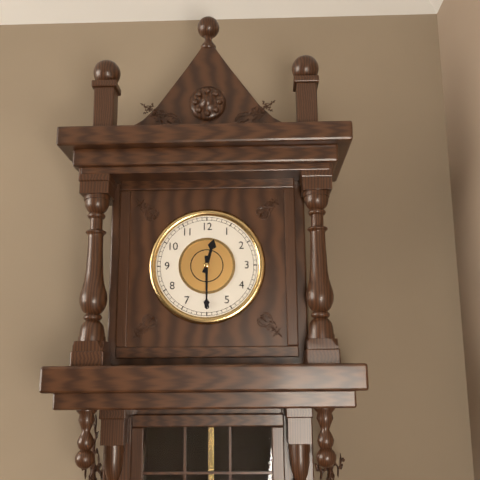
12:30
